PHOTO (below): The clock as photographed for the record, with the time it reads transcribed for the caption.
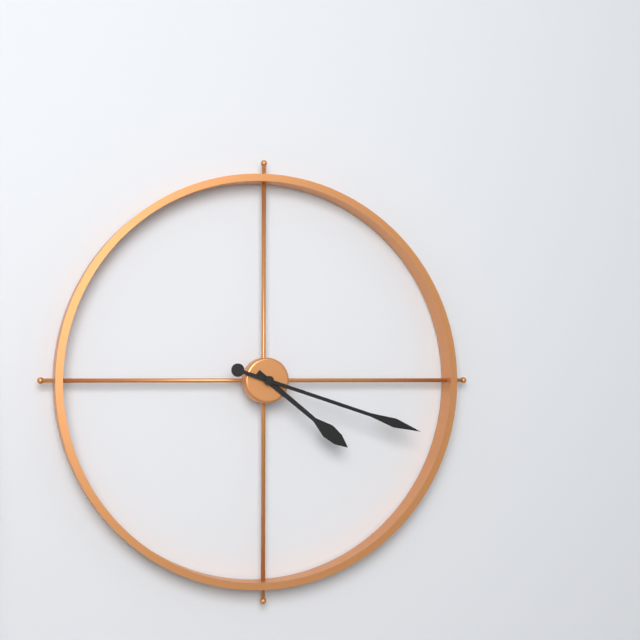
4:18
